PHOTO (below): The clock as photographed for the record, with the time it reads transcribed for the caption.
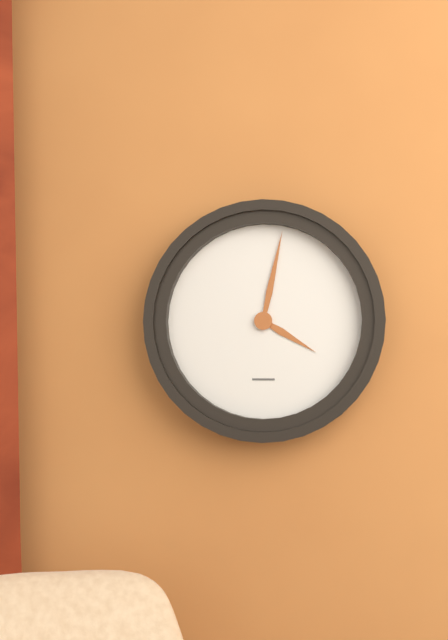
4:02
